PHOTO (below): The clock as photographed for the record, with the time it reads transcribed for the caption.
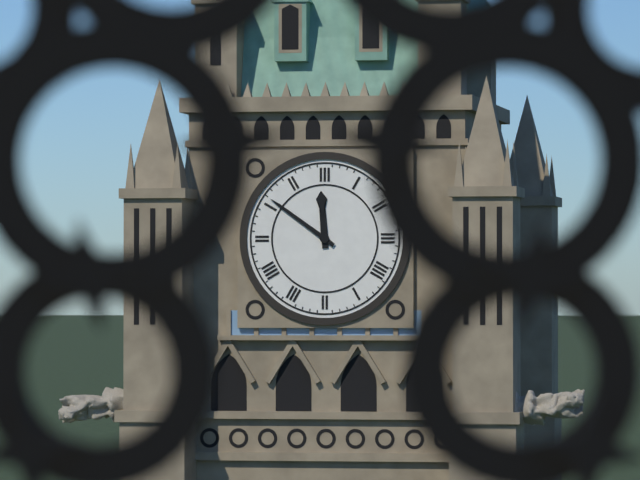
11:51
